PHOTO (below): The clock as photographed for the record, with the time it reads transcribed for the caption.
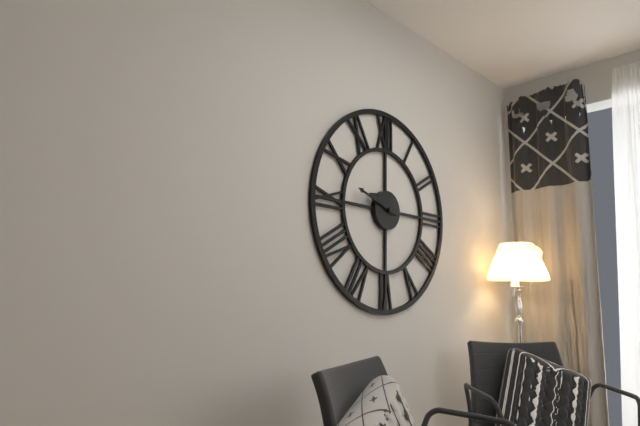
9:48
